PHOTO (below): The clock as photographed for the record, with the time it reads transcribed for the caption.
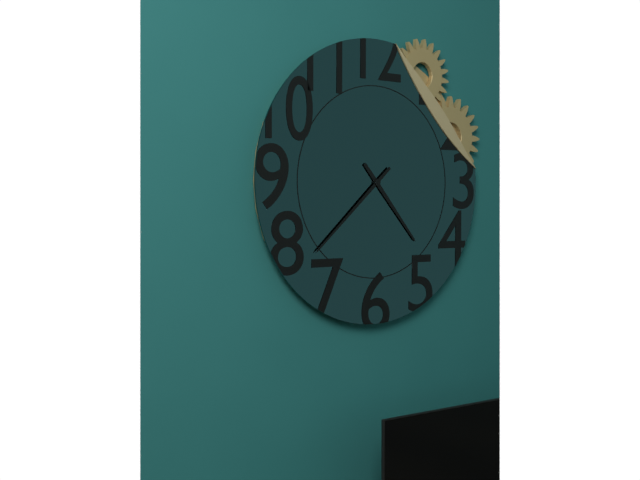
4:38
